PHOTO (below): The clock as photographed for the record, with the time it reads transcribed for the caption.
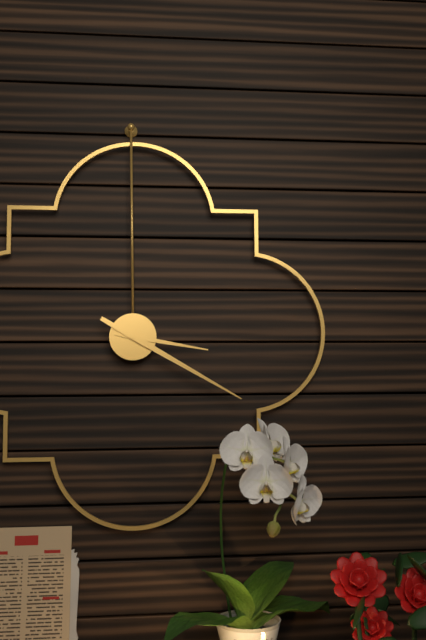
3:20
